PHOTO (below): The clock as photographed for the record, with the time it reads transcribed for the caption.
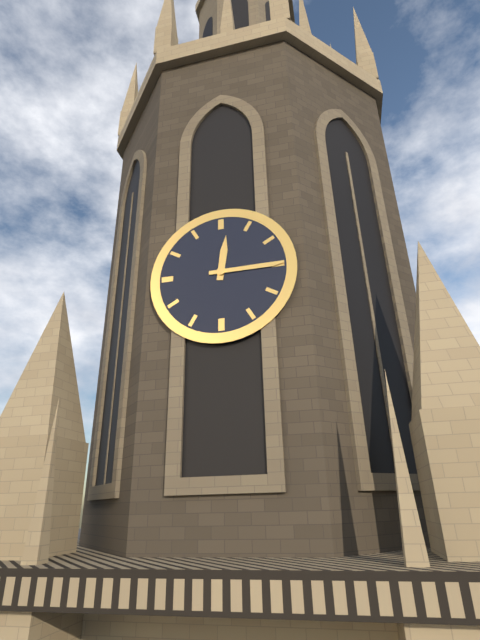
12:15
